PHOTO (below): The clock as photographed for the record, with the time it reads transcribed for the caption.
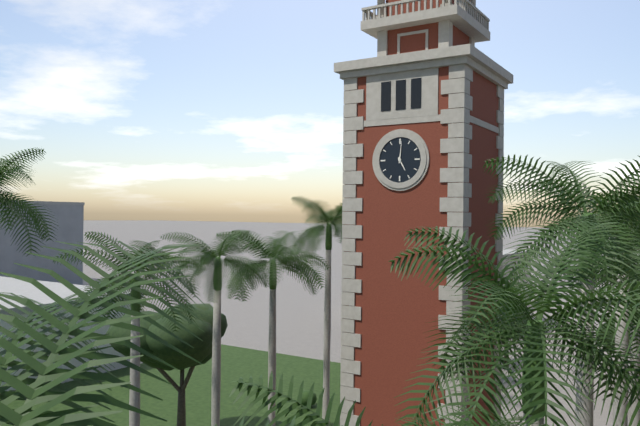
5:01
